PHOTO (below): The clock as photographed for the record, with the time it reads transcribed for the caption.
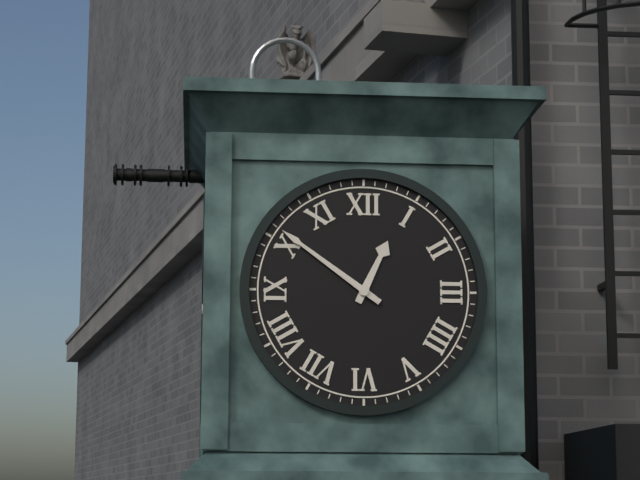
12:51
